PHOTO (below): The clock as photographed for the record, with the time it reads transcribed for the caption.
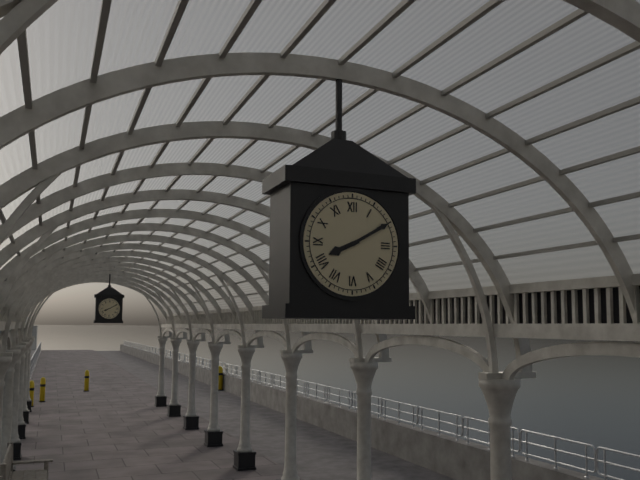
8:10
